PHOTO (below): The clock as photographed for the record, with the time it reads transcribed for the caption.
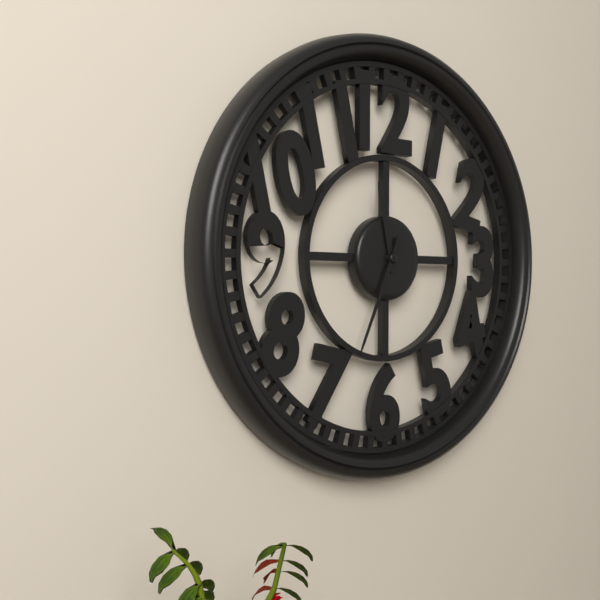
11:34
